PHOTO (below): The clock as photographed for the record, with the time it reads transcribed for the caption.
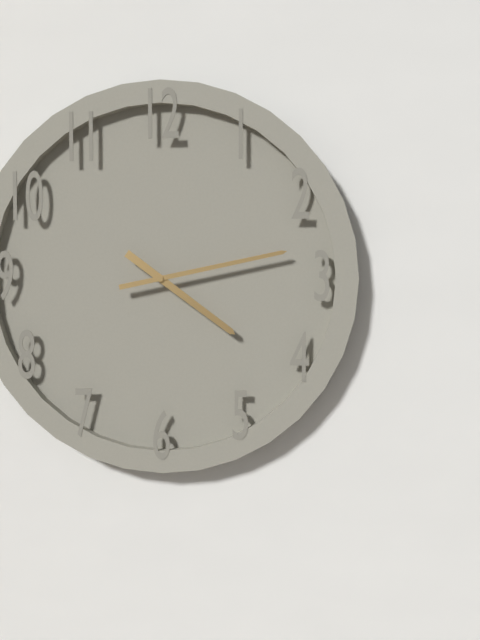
4:13
